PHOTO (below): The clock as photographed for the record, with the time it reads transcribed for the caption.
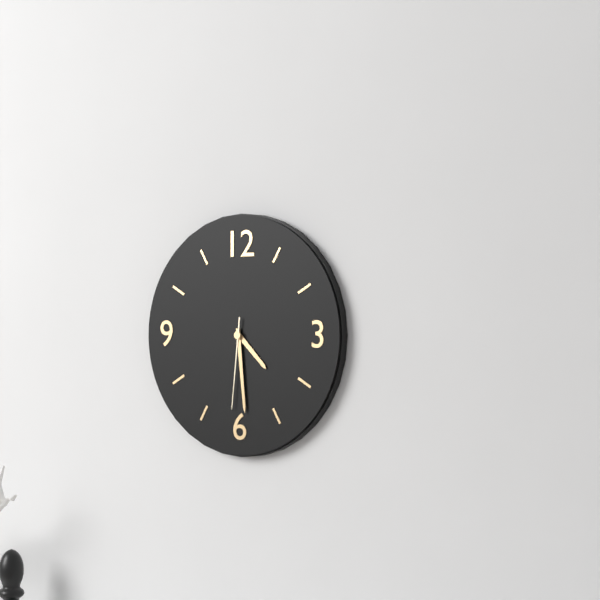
4:29:31
